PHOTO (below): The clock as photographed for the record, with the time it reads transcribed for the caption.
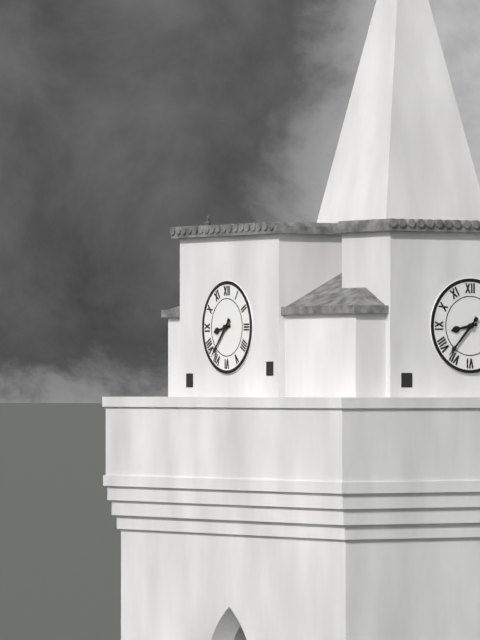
8:37
